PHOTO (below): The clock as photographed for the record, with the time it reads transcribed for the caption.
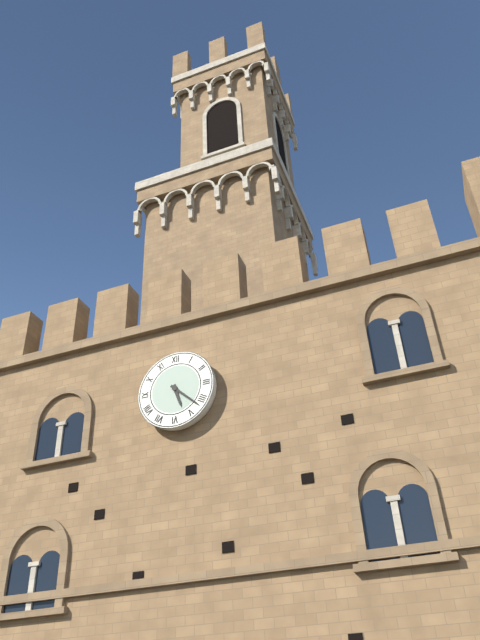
5:22
